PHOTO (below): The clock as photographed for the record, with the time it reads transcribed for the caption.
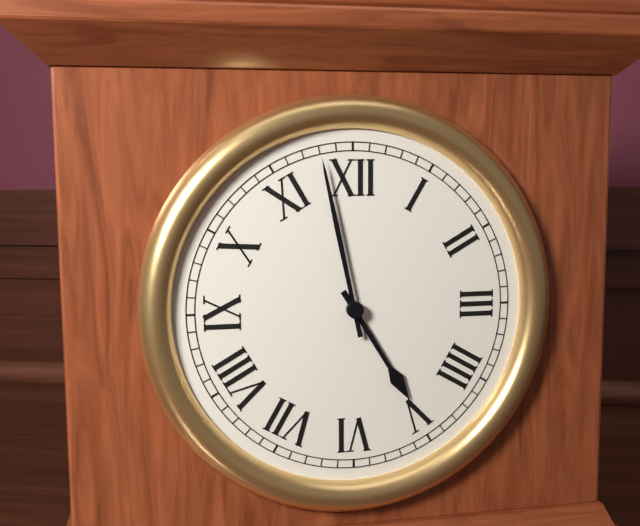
4:58
